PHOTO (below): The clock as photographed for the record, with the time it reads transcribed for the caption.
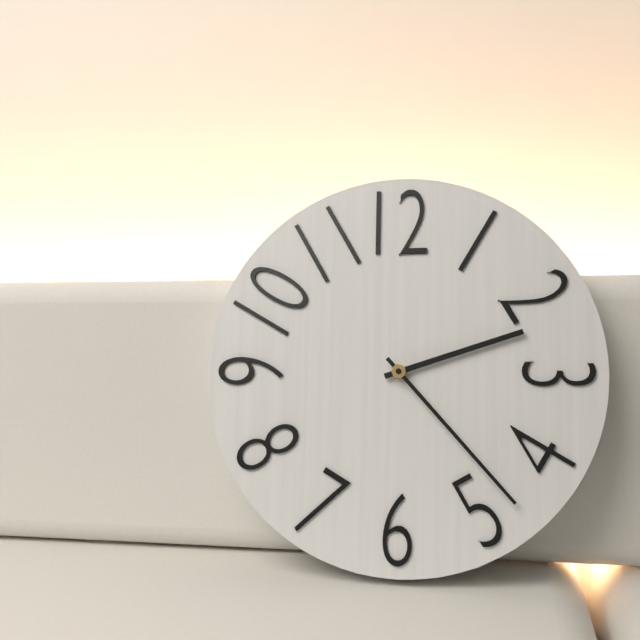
2:23
